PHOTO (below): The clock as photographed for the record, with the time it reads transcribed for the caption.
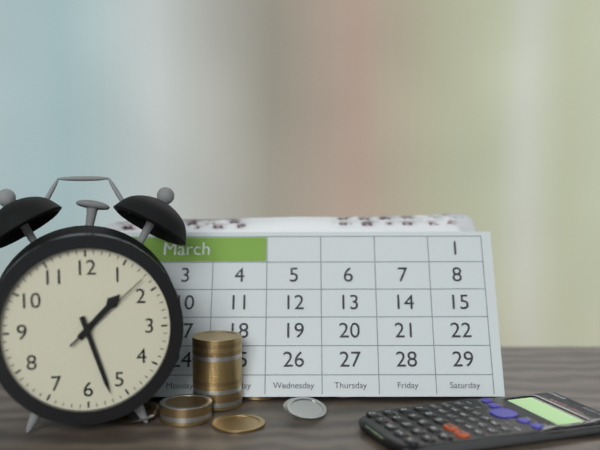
1:27:08
